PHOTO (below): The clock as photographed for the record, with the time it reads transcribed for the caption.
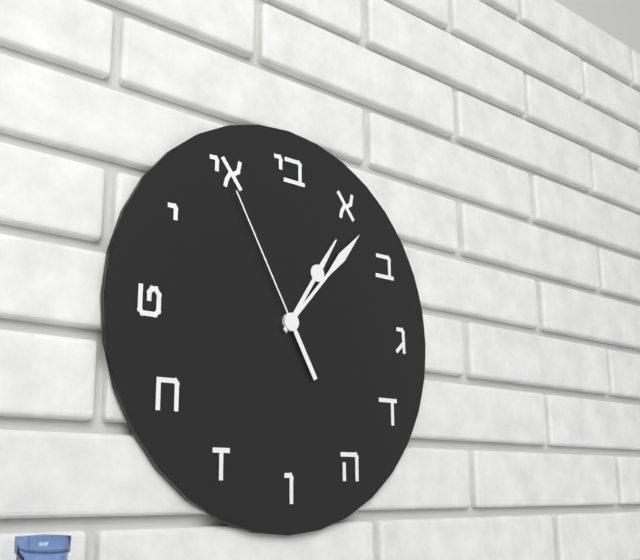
1:07:55
